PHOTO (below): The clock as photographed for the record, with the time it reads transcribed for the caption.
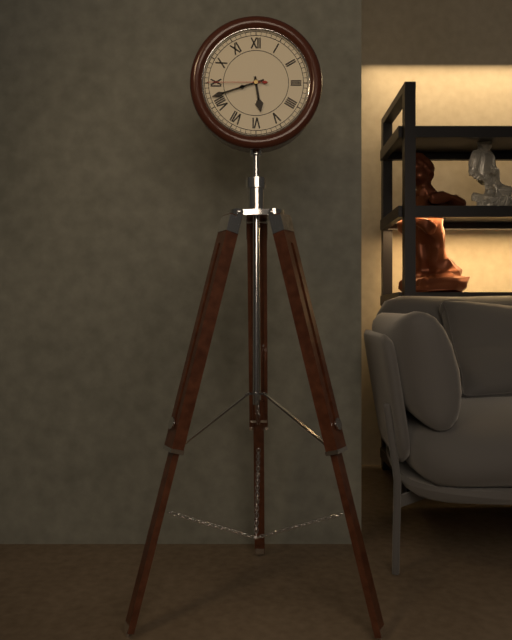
5:42:45
